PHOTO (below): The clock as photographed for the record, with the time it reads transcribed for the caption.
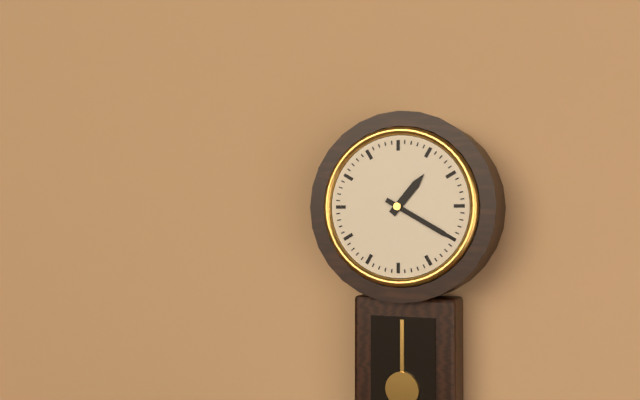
1:20
